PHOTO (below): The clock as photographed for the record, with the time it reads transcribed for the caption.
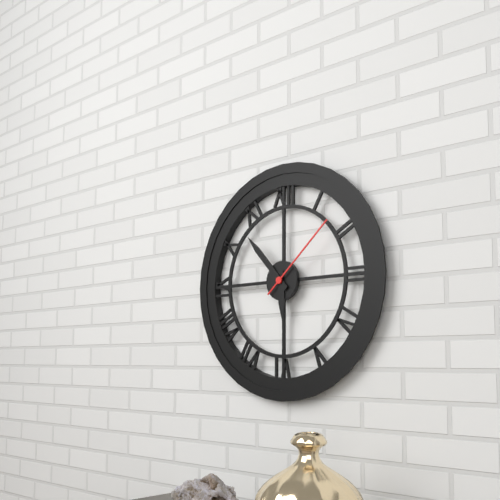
5:53:08
